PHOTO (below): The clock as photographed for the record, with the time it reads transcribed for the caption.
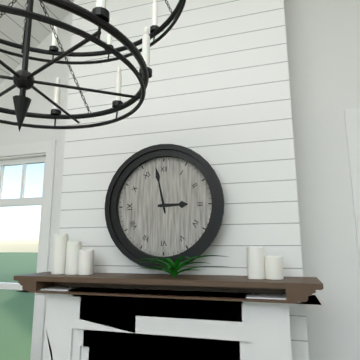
2:58
